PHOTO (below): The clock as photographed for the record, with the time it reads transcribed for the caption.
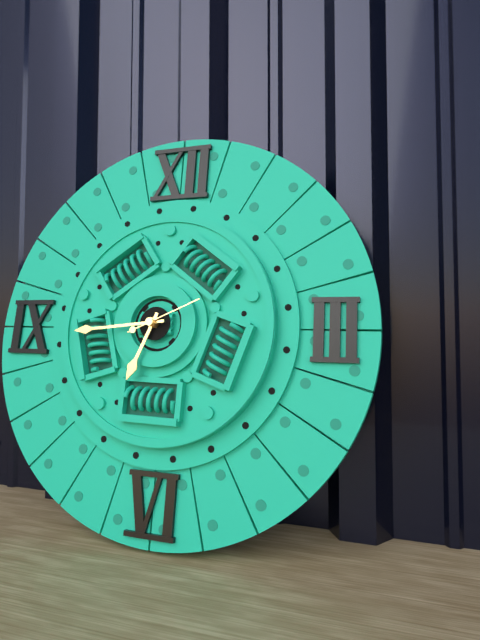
6:44:11
